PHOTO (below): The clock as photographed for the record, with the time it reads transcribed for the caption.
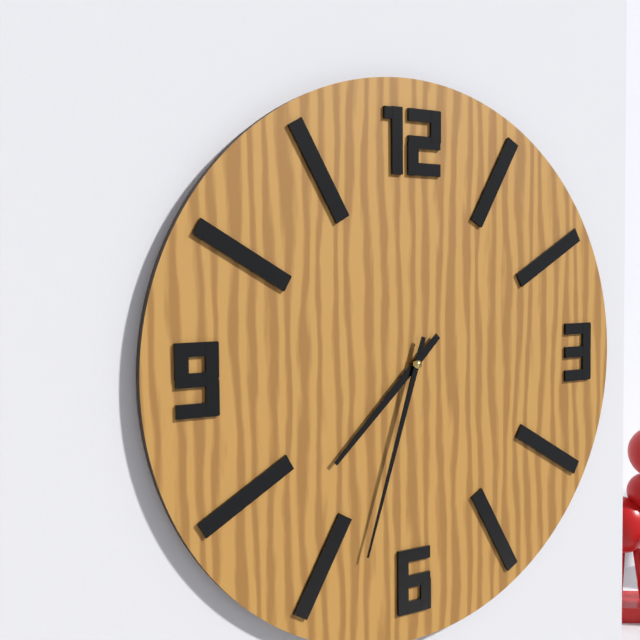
7:33
